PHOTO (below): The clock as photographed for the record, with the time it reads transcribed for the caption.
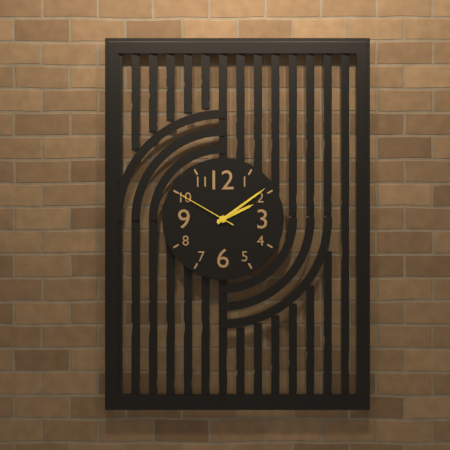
2:09:50
